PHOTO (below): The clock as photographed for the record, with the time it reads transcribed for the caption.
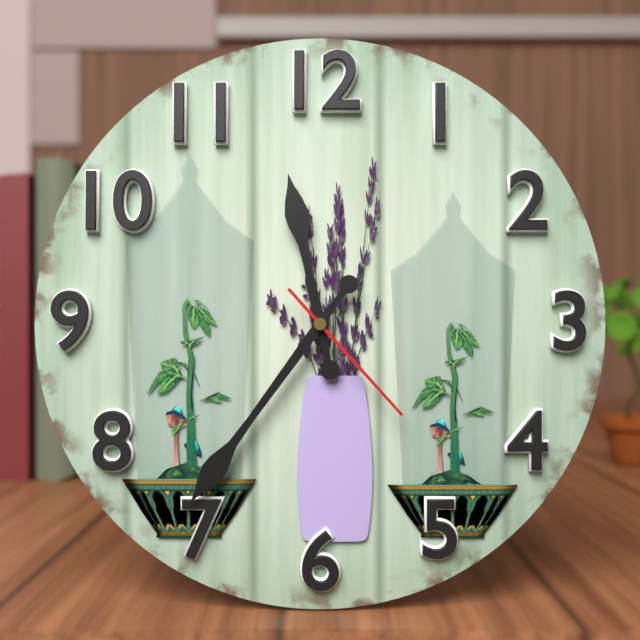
11:36:23
